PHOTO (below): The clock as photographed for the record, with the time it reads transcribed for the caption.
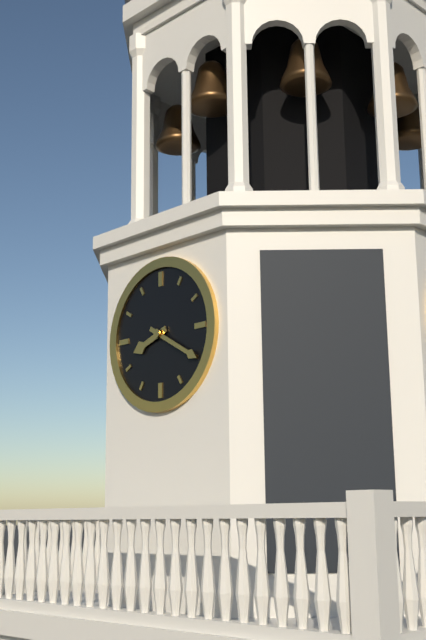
8:20
